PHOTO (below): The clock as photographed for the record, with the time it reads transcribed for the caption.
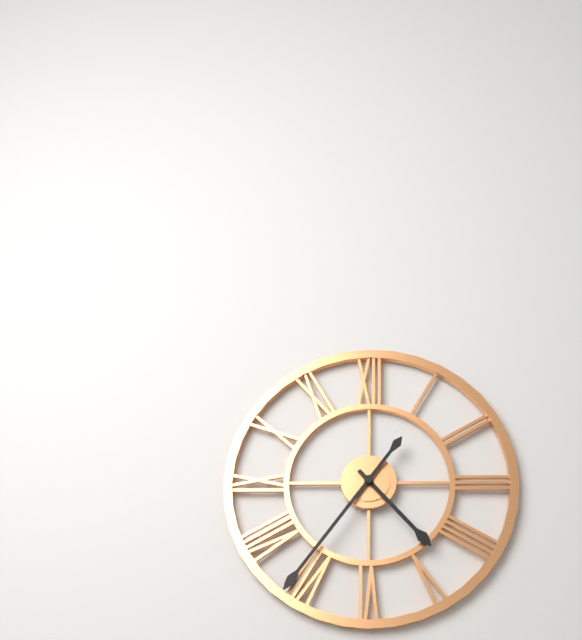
4:36
